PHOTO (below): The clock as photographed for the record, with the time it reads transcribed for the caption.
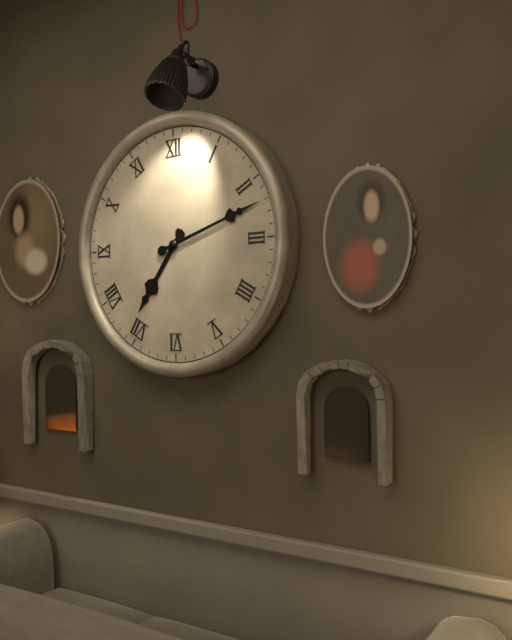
7:12
